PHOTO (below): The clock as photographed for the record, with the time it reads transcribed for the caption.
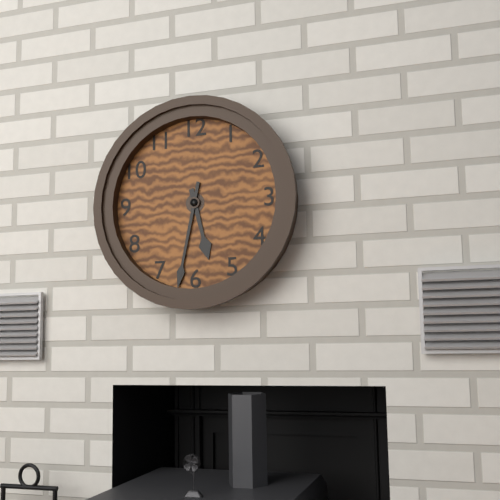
5:32
